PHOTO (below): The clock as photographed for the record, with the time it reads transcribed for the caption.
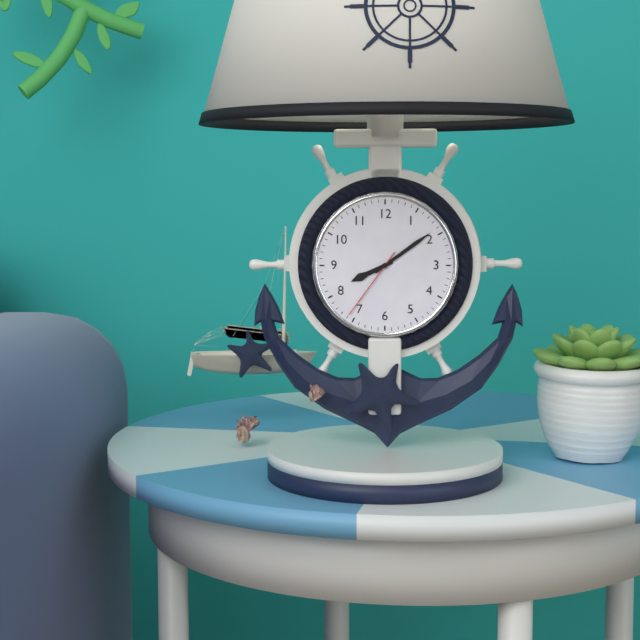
8:09:36
